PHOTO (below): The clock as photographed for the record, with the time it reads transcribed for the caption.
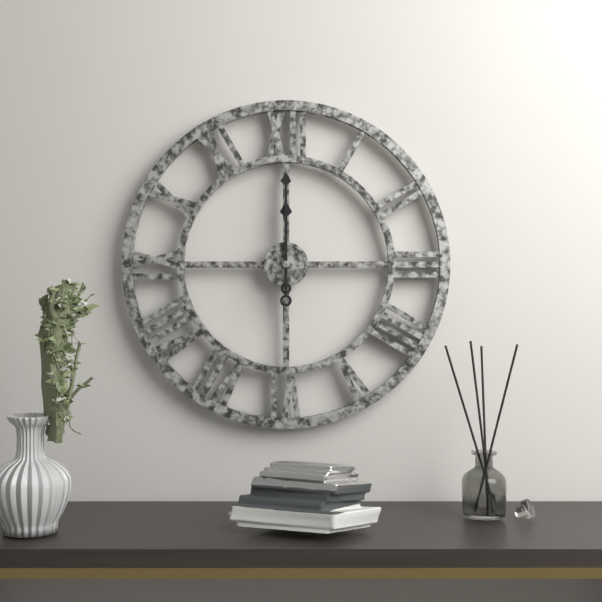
12:00
